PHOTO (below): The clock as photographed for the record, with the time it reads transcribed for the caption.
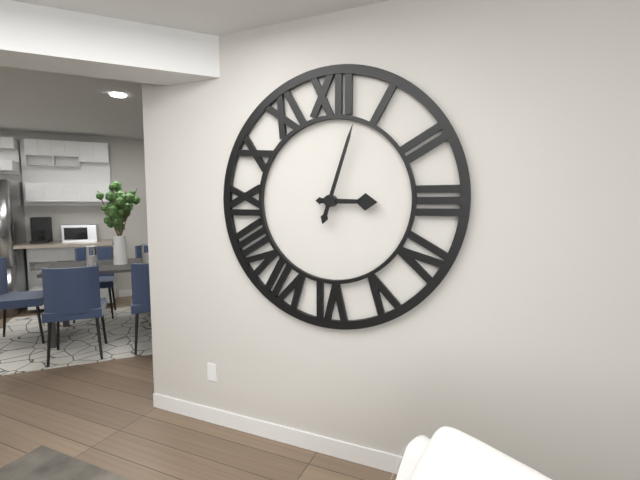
3:03
